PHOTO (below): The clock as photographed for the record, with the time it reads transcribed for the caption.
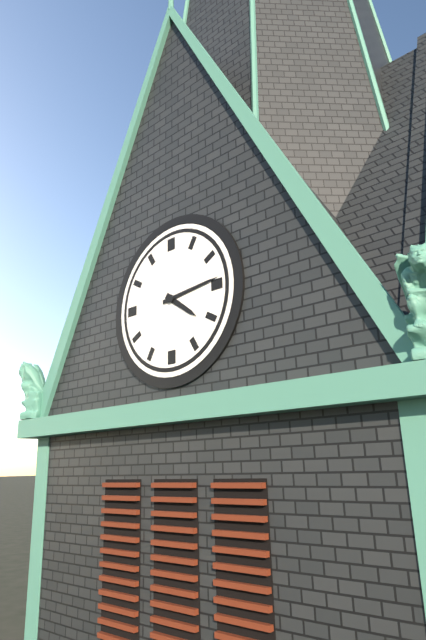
4:14
